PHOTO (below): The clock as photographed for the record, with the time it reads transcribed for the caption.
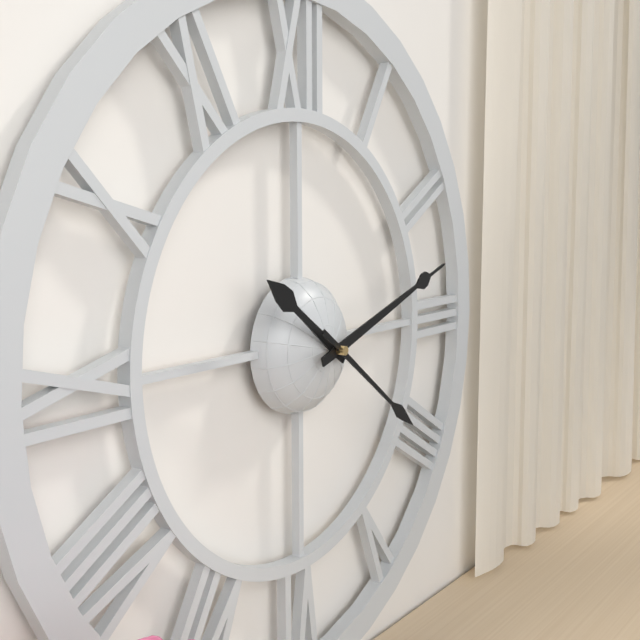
10:12:21
